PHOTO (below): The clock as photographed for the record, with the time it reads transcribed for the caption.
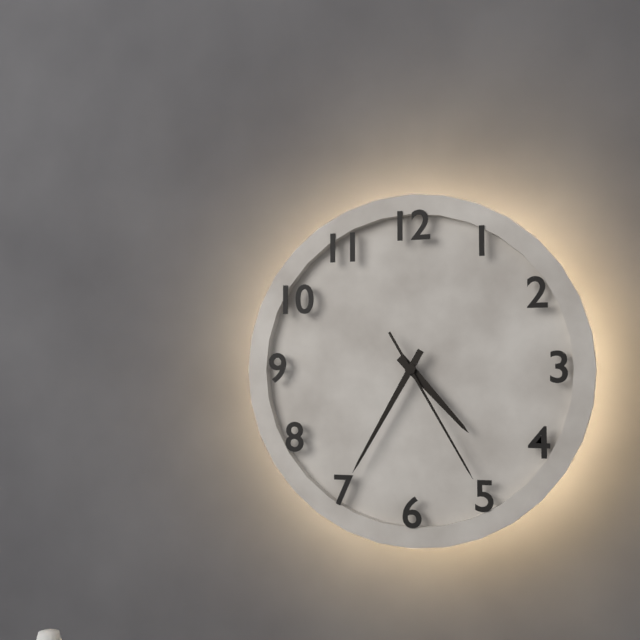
4:35:25
